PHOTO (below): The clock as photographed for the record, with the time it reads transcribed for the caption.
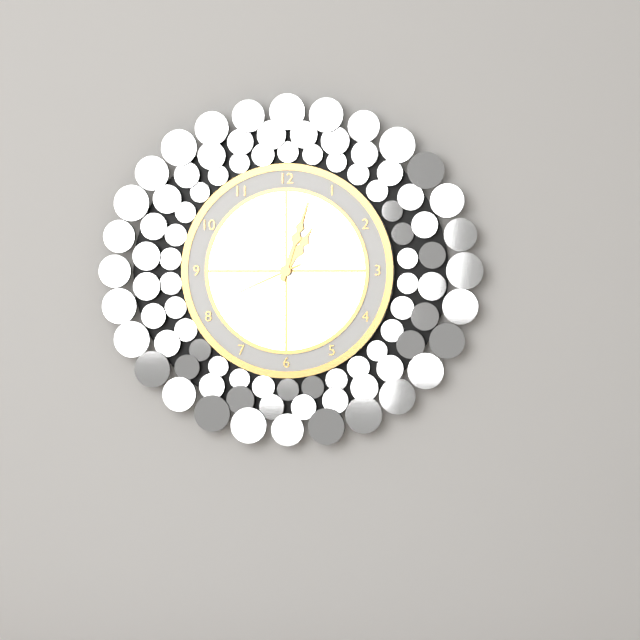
1:03:41
